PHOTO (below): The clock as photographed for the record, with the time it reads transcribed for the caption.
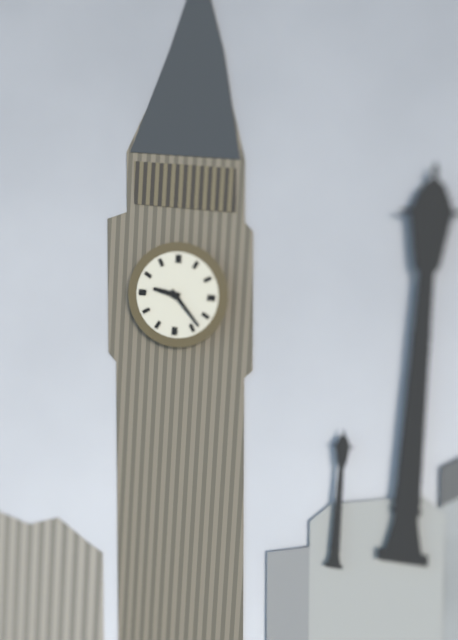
9:23
